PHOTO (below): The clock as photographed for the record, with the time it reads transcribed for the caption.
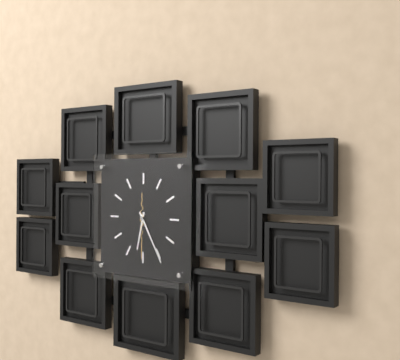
6:25:30
